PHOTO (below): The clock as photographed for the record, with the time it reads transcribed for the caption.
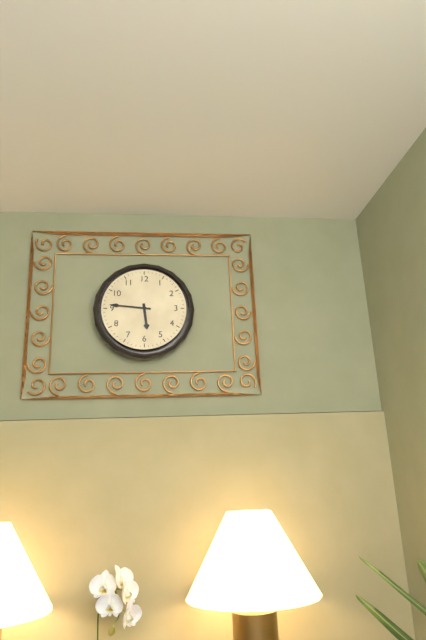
5:46
